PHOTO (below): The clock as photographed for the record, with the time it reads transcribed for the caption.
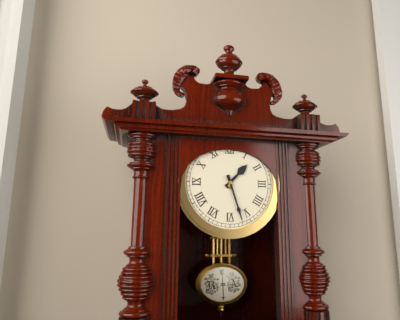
1:27
